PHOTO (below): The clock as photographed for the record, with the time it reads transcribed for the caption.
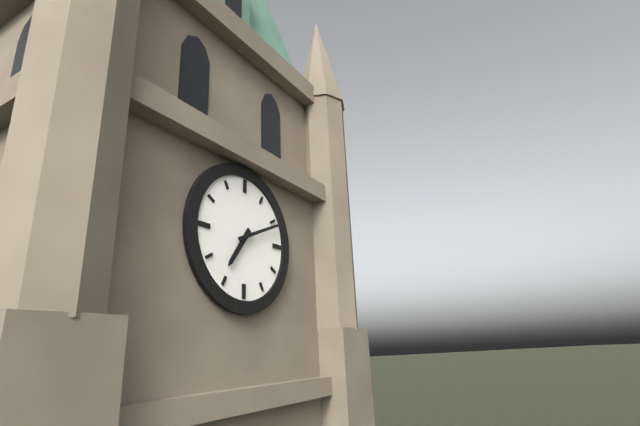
7:11
